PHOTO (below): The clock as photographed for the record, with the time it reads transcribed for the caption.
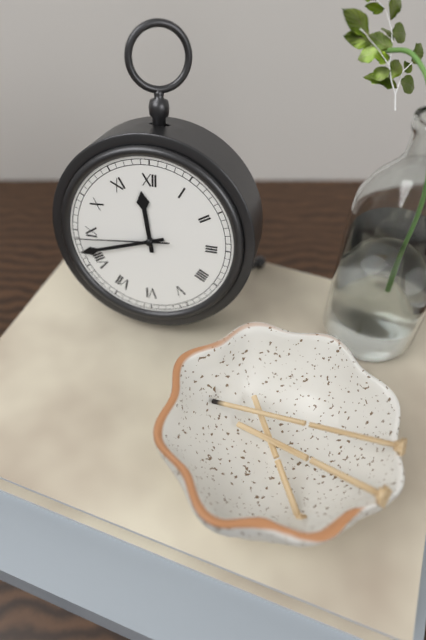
11:42:44
